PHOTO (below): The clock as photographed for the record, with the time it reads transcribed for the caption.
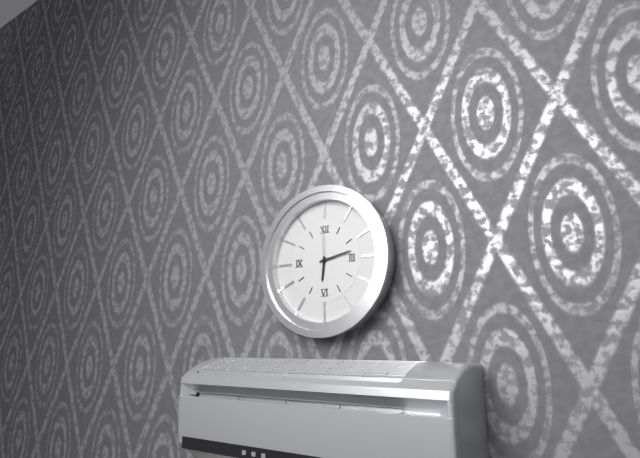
6:13
